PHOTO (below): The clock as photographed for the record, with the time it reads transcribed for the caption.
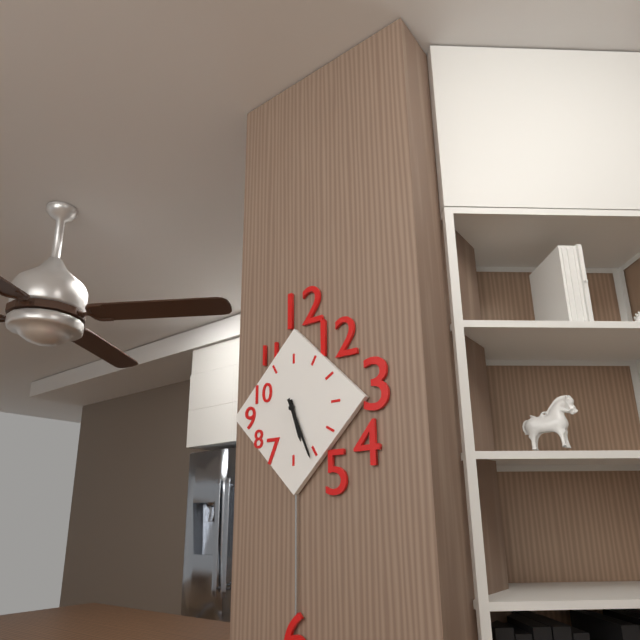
5:26
